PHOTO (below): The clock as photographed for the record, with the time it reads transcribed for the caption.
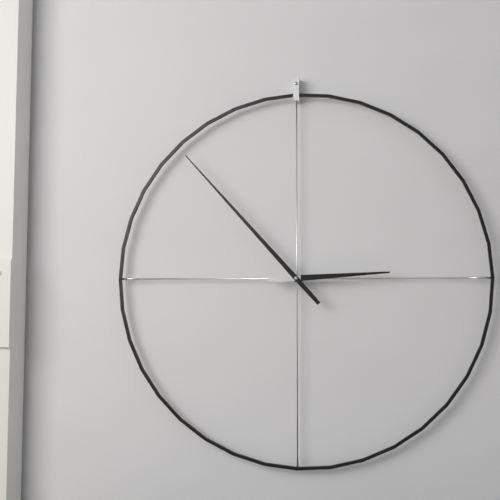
2:53
